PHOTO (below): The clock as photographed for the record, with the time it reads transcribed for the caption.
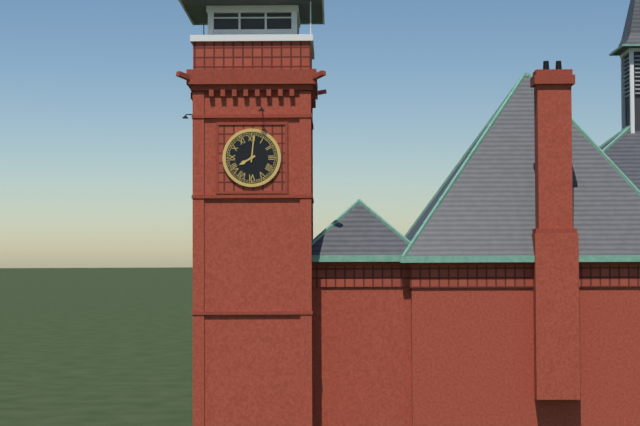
8:01
